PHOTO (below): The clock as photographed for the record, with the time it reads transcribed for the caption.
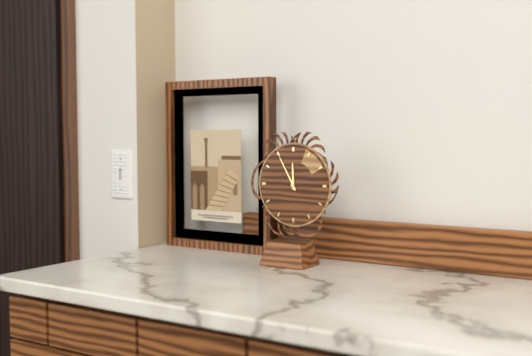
11:55
